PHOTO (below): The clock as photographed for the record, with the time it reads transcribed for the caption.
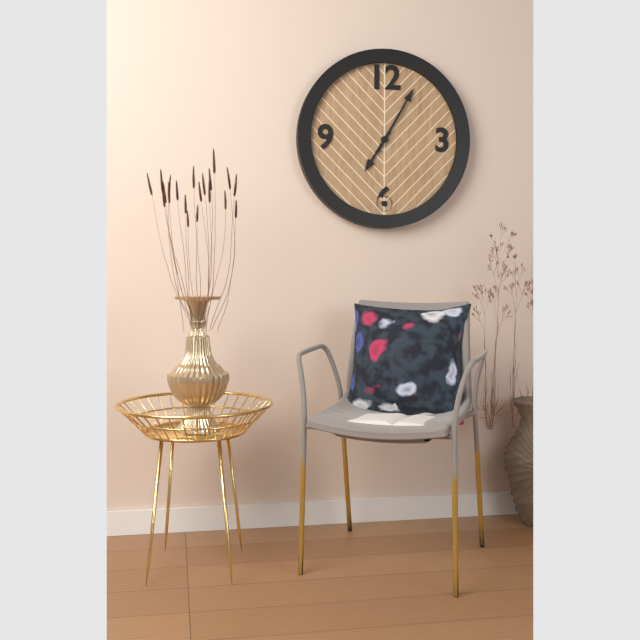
7:05
